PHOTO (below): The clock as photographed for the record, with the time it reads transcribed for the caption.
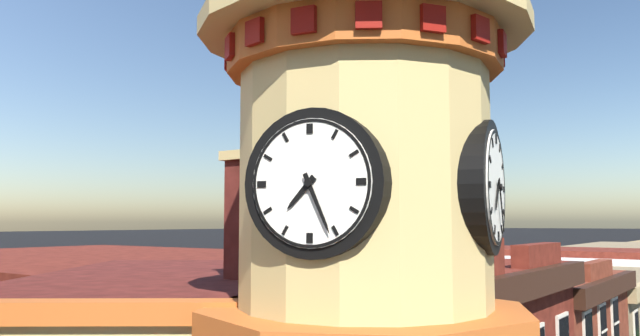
7:26
